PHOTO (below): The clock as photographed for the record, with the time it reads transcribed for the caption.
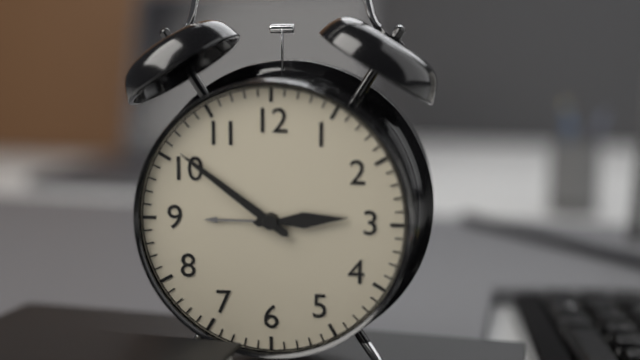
2:51
